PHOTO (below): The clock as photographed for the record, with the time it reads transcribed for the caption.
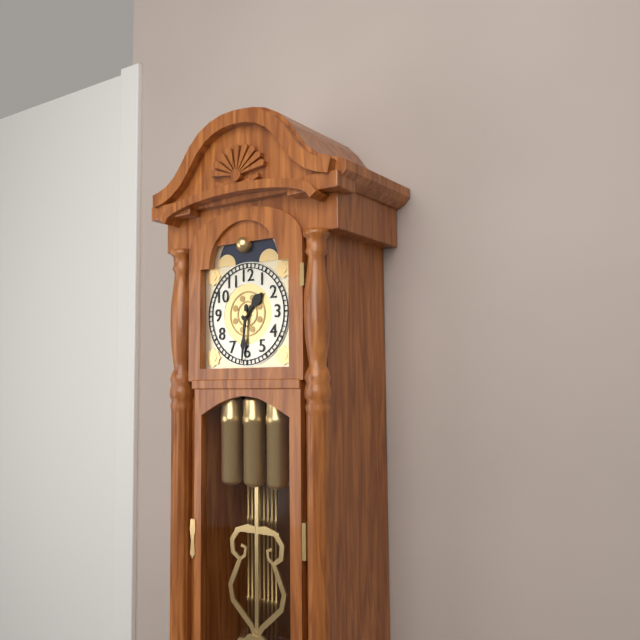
1:31
